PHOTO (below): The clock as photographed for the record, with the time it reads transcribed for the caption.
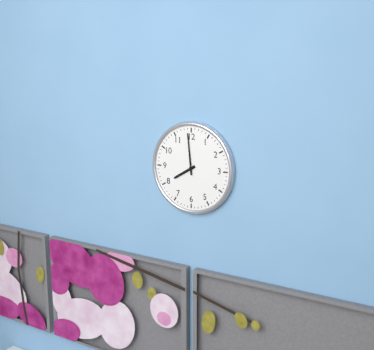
7:59
